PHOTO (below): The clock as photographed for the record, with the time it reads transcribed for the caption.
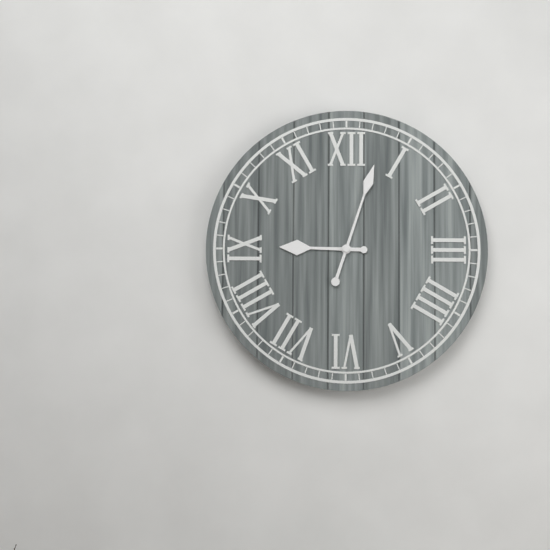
9:03
